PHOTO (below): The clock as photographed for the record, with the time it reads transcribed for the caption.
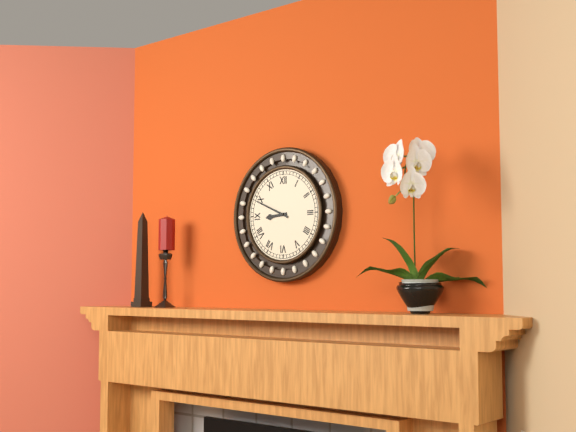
8:49
